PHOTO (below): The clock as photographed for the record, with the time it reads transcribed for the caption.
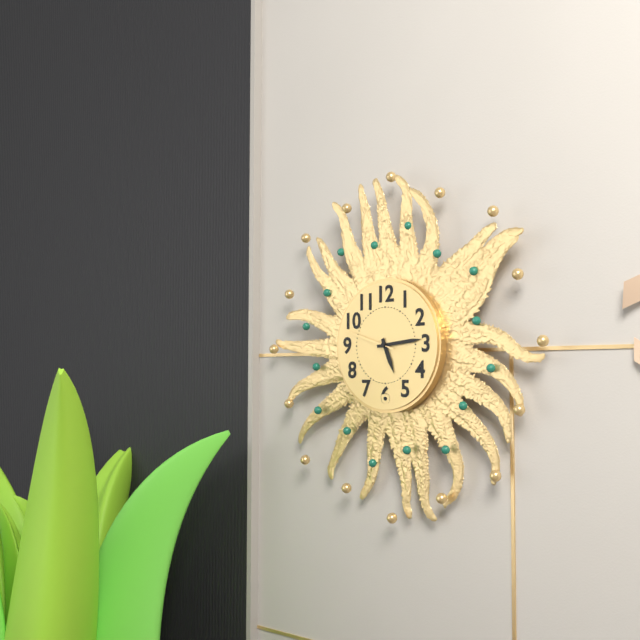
5:14
